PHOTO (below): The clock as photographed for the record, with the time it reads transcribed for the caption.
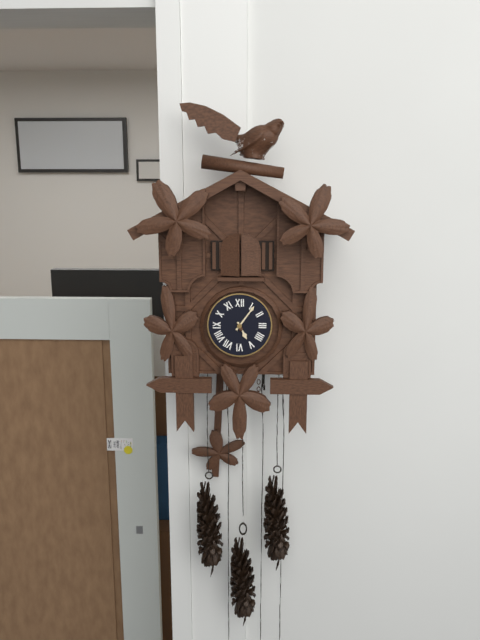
5:06
